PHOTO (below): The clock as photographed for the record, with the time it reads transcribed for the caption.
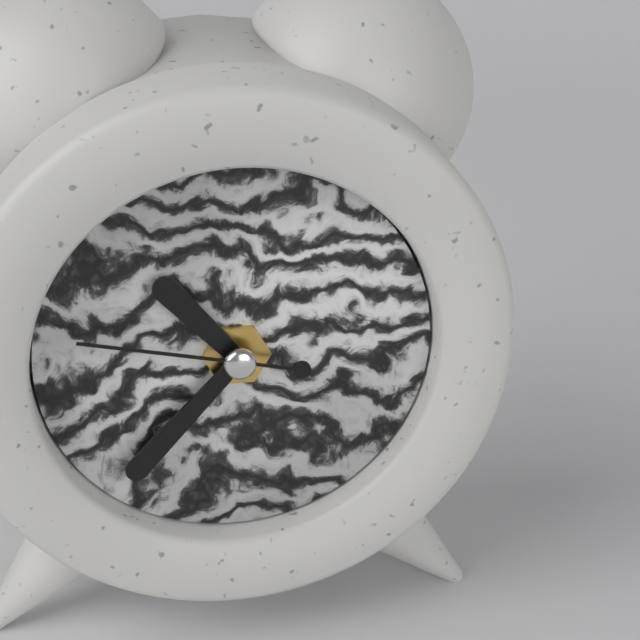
10:37:47
